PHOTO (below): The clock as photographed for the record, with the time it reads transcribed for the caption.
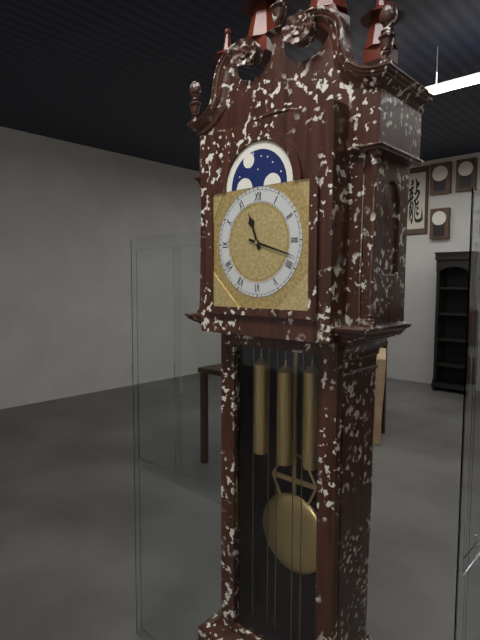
11:18
